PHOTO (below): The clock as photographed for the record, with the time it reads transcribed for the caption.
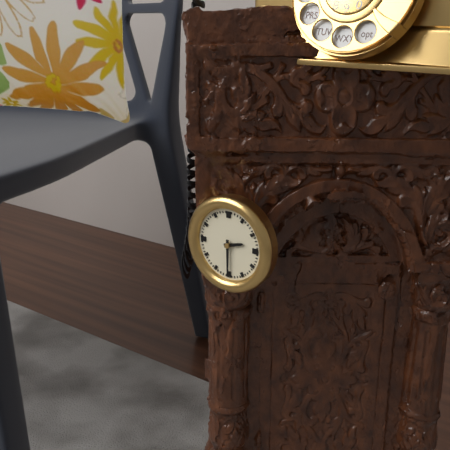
2:30
